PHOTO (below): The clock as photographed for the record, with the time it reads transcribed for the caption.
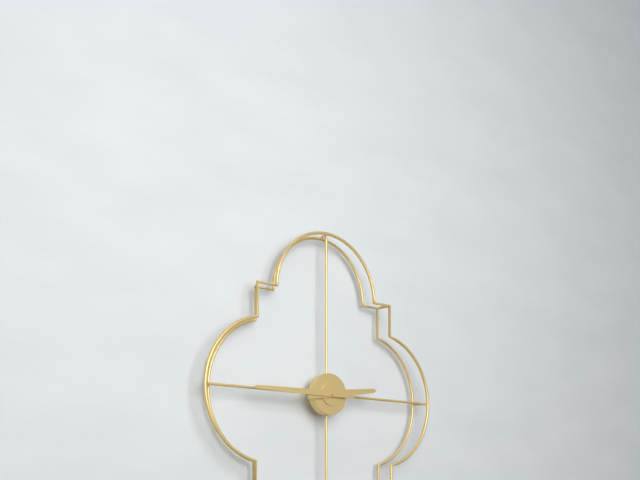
2:45
